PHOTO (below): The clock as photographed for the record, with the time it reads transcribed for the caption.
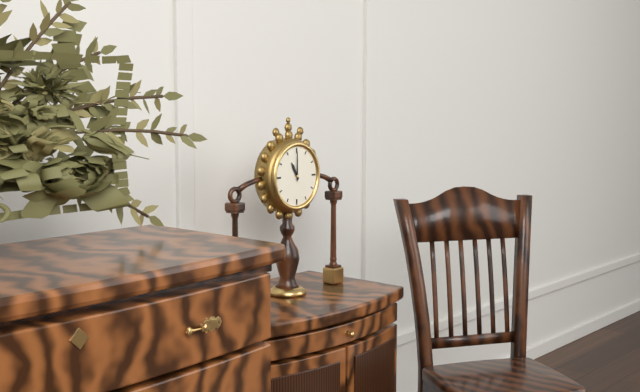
11:00
